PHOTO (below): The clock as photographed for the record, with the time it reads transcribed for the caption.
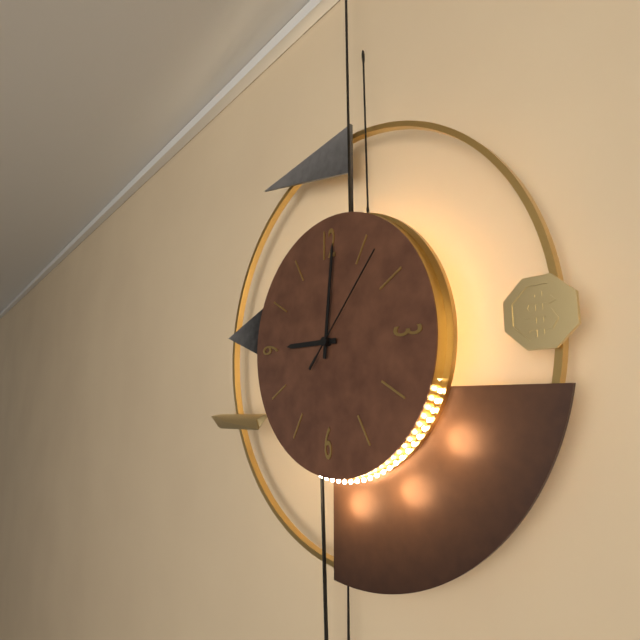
9:01:07
